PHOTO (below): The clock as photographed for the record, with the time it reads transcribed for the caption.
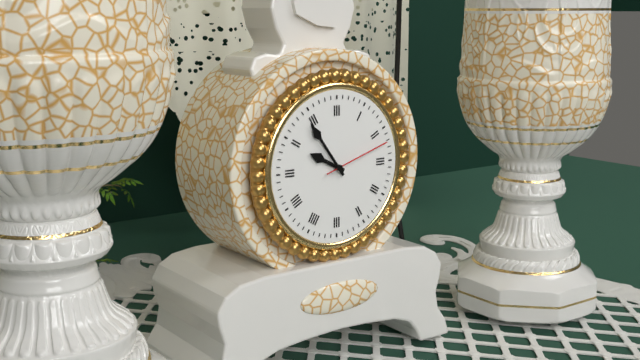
9:54:12
